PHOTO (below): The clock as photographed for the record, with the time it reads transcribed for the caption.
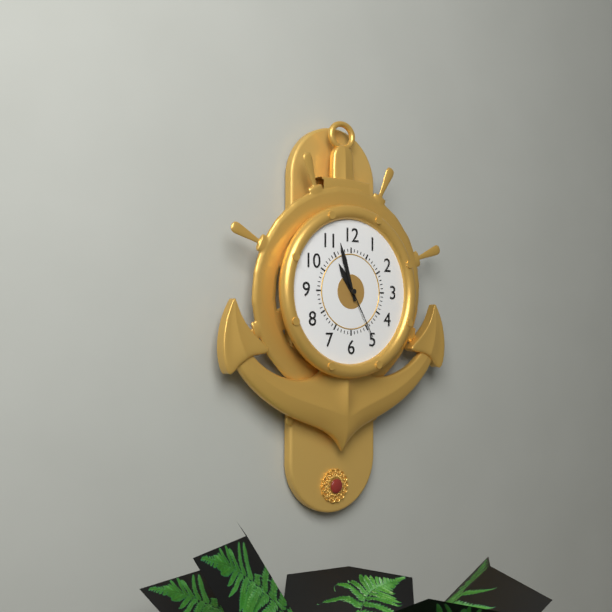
10:57:25
